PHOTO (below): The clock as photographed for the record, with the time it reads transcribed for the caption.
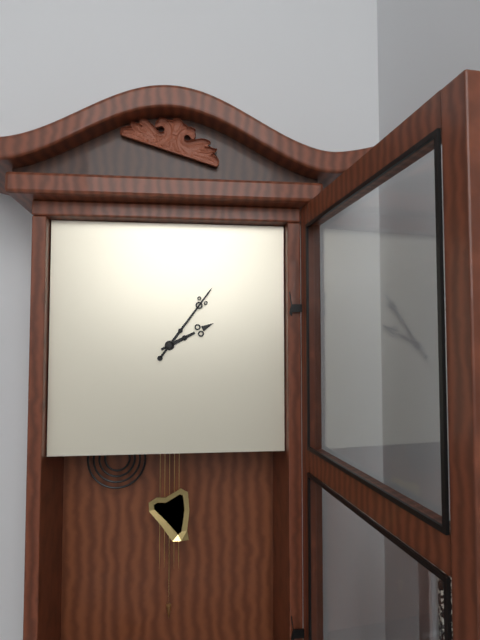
2:06
